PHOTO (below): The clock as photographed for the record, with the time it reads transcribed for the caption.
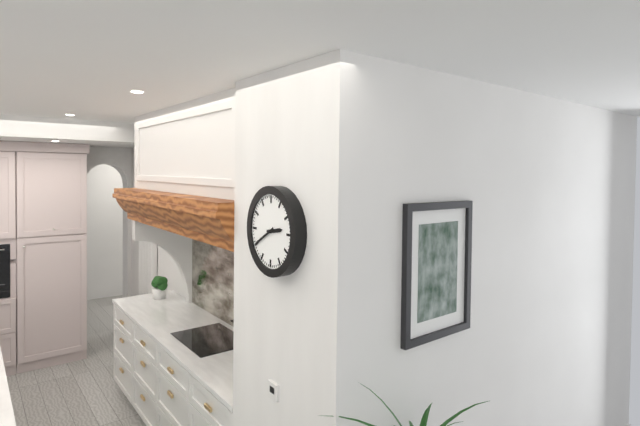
2:40
